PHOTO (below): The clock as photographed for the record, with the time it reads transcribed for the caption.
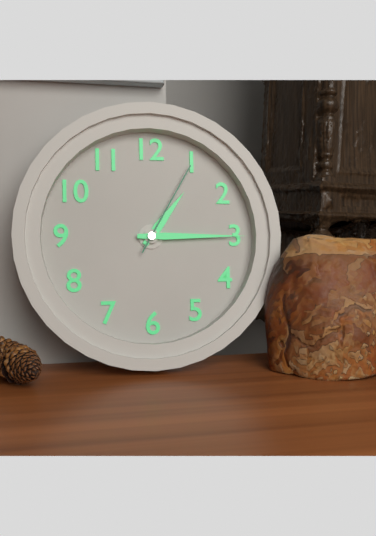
1:15:05
